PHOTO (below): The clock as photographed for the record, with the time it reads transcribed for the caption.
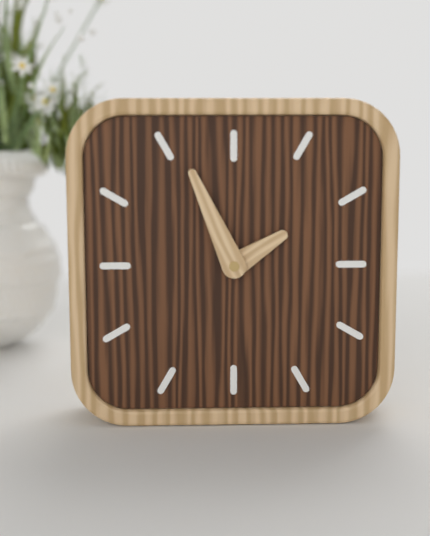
1:56
